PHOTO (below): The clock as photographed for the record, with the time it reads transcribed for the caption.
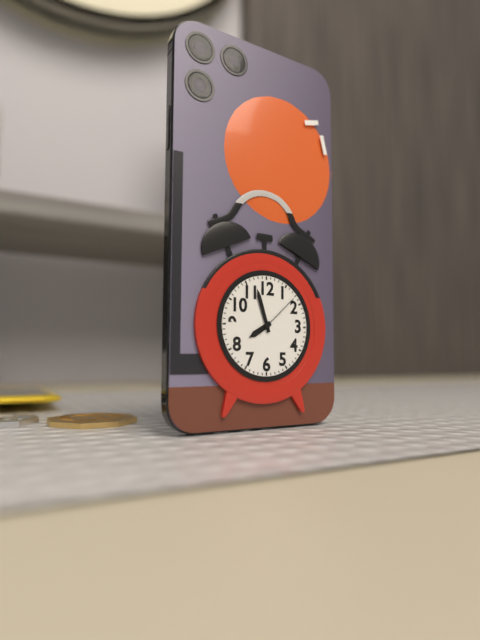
7:57
